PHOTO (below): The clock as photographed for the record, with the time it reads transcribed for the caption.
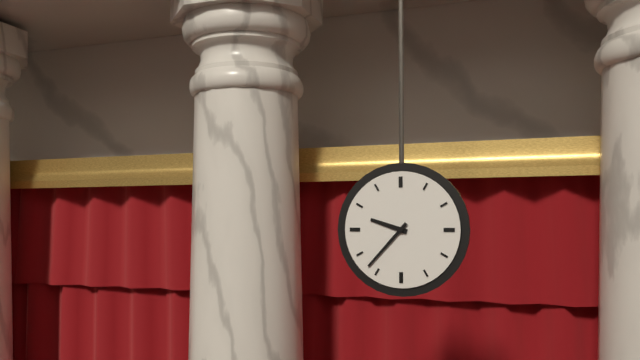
9:37
